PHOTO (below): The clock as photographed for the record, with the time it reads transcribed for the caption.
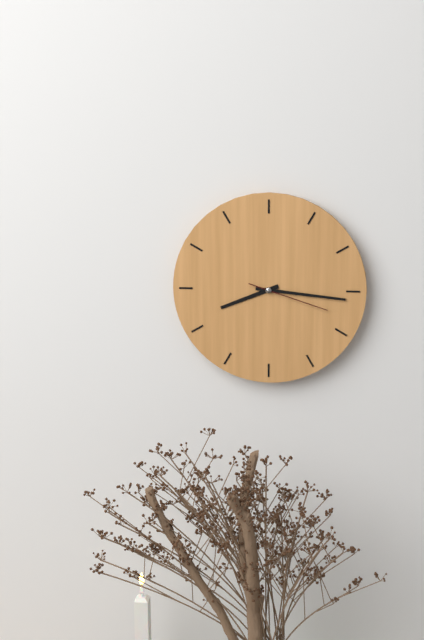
8:16:18
